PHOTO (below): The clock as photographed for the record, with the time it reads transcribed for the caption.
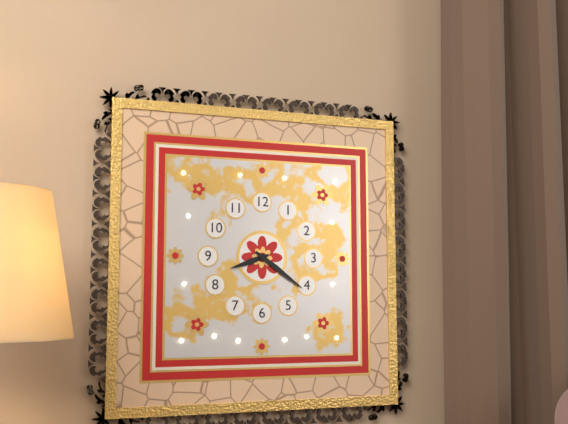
8:21
